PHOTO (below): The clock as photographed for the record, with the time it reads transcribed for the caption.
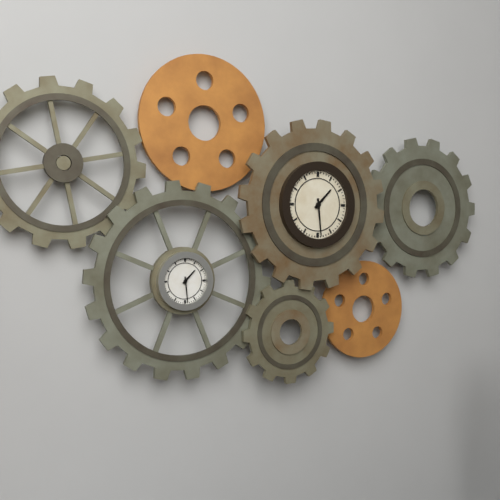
1:29
